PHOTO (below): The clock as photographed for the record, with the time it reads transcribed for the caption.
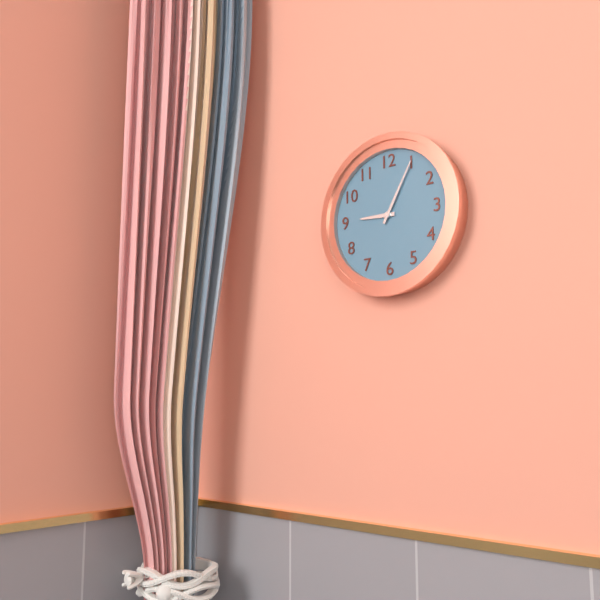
9:05
